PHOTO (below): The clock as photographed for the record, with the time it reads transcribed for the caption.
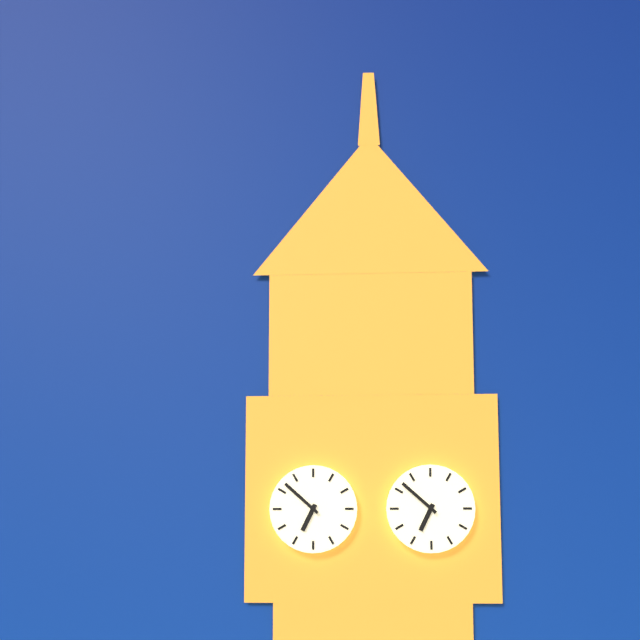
6:52
